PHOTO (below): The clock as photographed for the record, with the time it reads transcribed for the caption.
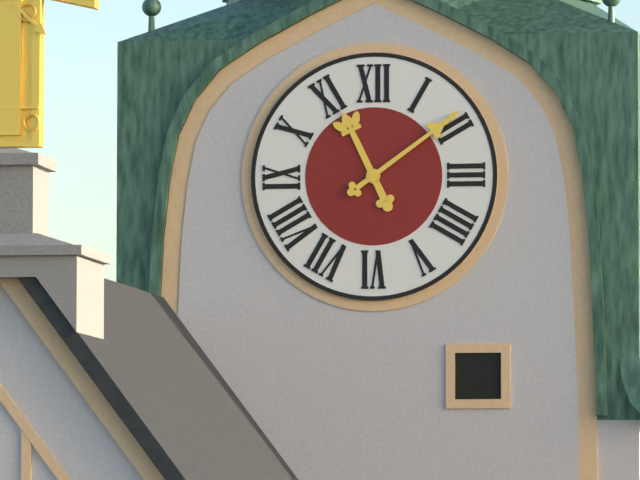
11:09
